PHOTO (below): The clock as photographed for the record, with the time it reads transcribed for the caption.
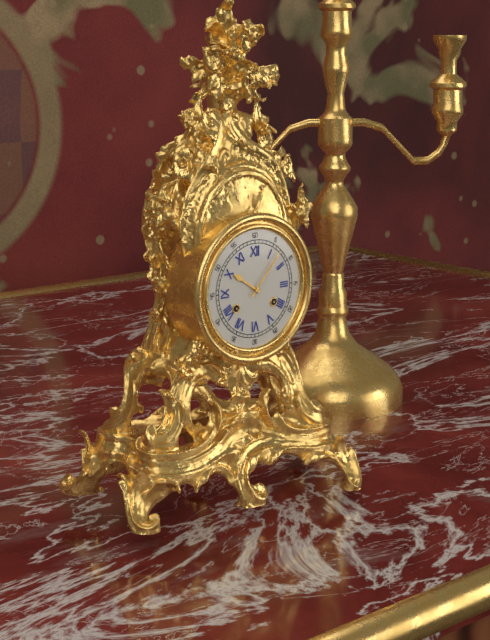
10:07
